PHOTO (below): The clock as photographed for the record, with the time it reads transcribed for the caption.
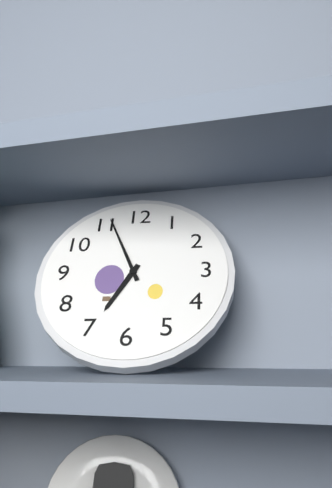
6:56
